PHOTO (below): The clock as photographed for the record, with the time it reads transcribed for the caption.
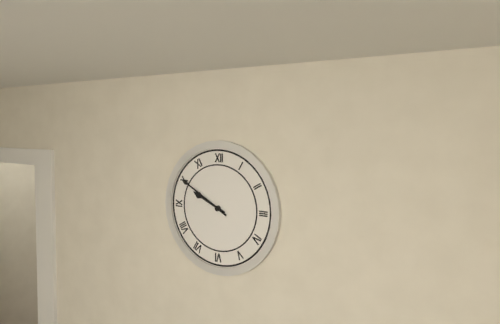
9:50
